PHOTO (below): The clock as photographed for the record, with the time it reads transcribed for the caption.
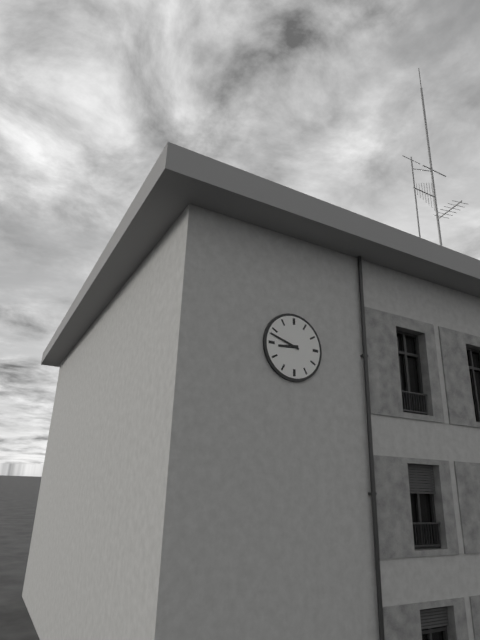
8:48
